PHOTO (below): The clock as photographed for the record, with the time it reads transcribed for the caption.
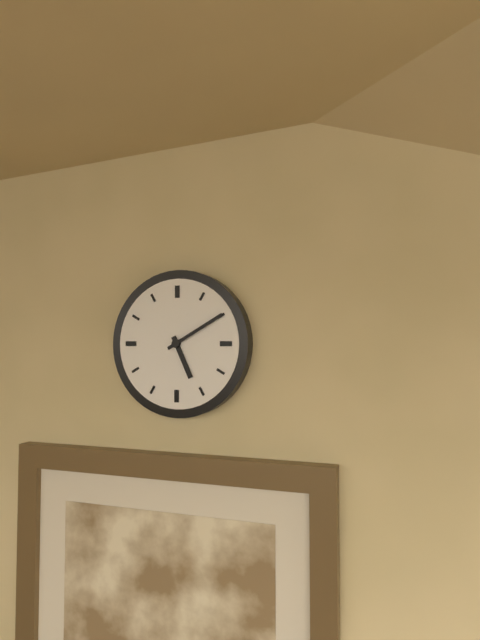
5:10
